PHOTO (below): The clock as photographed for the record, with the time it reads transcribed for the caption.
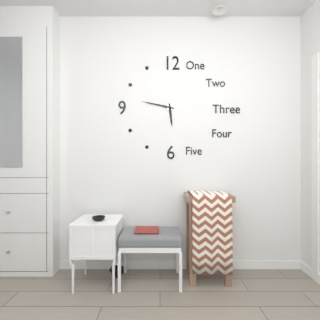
5:47
